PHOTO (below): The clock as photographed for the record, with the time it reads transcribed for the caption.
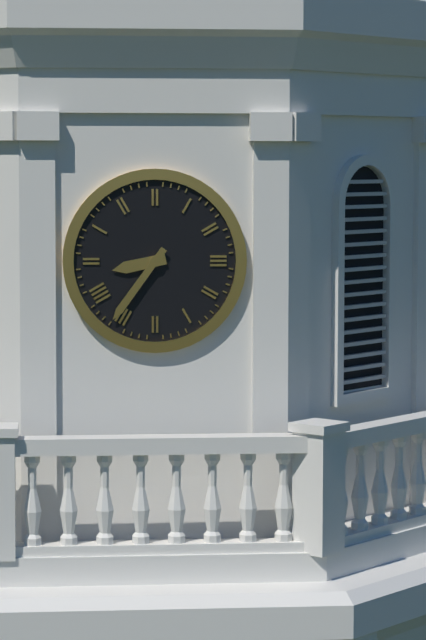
8:36
